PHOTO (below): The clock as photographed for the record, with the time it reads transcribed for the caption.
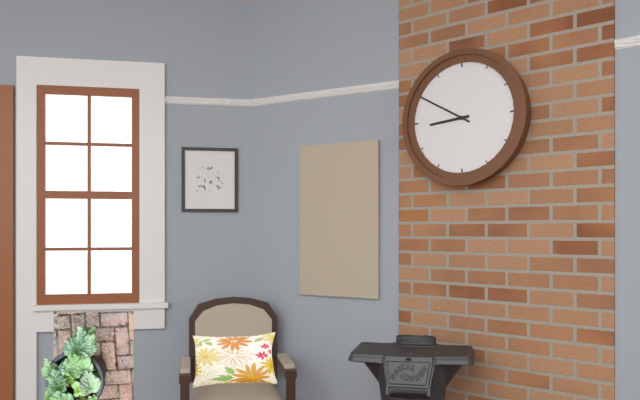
8:50
